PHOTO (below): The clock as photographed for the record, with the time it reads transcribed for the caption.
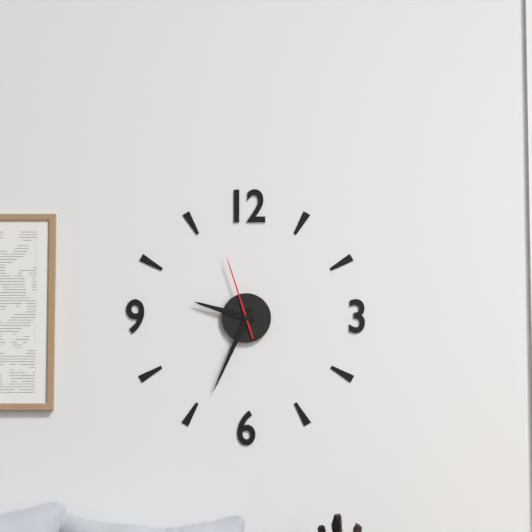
9:34:57
